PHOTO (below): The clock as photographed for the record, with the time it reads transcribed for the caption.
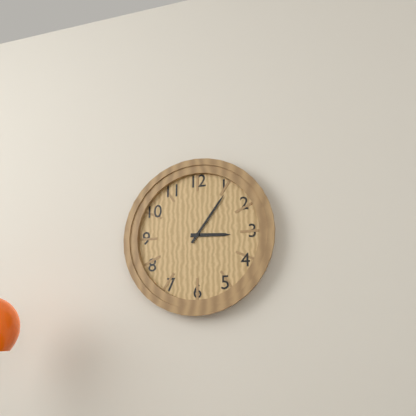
3:06
